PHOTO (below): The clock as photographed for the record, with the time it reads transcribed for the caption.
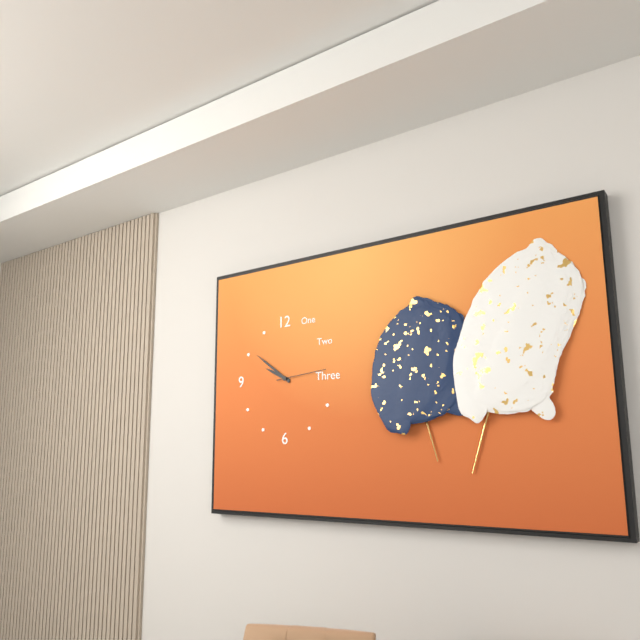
9:51:14
